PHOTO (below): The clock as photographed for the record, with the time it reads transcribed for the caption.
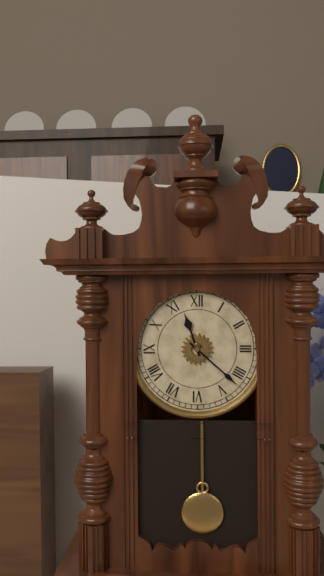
11:22
